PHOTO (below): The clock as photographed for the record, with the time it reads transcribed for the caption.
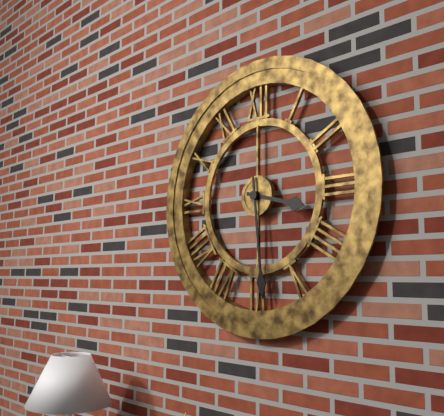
3:29
